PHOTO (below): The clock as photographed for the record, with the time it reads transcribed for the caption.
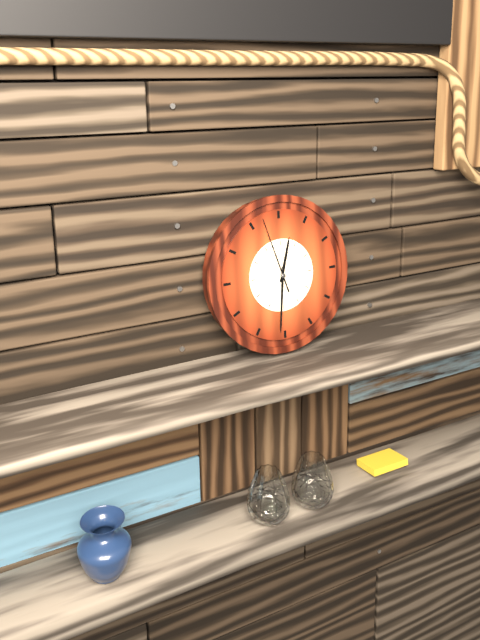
12:31:57
